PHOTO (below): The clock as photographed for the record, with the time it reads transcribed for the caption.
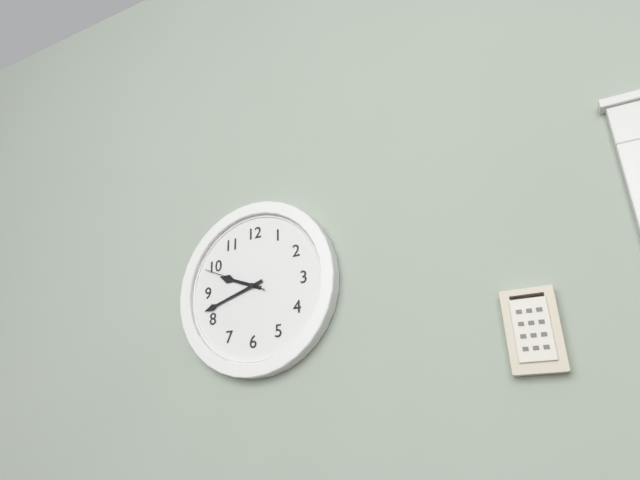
9:42:49
